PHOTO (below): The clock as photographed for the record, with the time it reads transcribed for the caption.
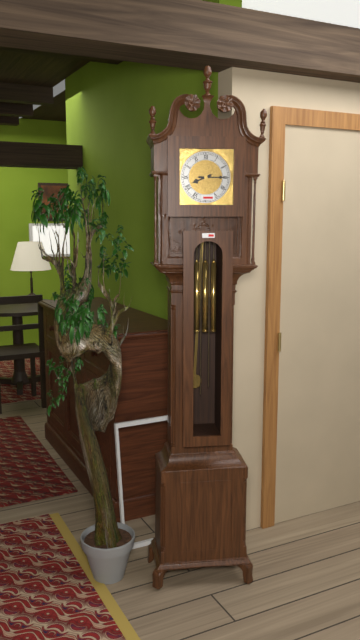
8:15
